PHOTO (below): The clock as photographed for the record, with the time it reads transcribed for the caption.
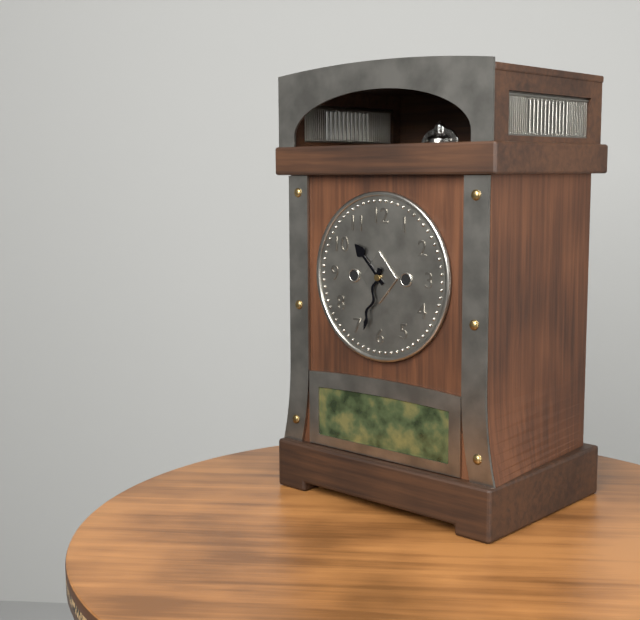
10:33
